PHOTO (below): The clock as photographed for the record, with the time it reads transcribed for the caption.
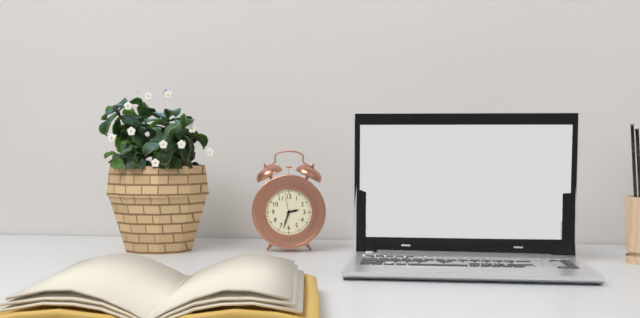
2:33
